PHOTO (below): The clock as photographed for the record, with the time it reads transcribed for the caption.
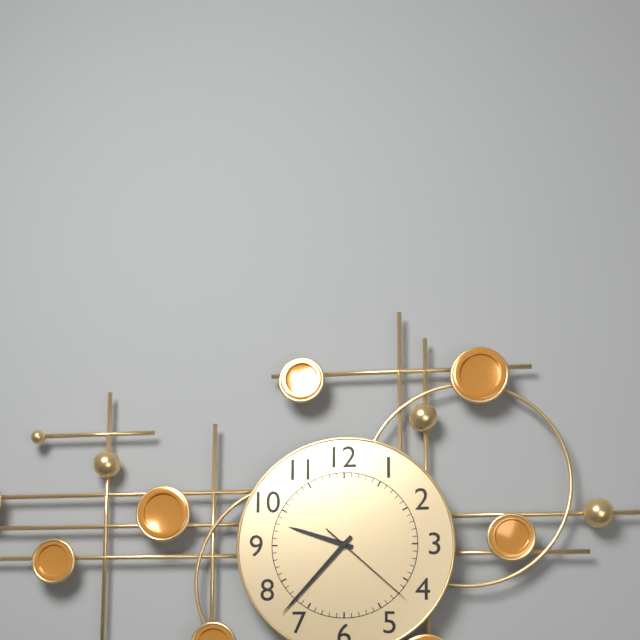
9:37:22
